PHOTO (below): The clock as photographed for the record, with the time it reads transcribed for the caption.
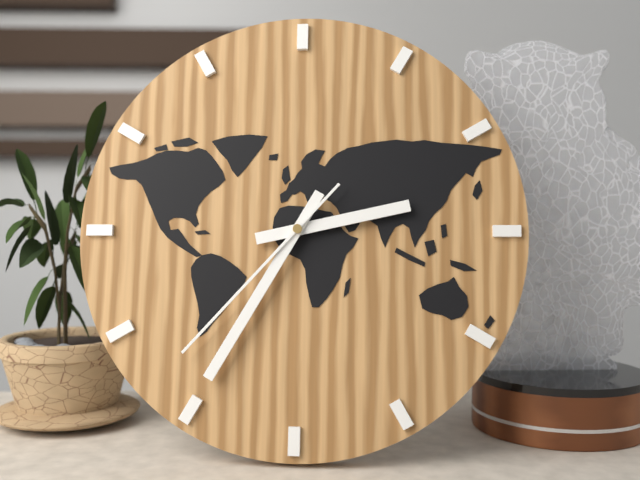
2:35:37
